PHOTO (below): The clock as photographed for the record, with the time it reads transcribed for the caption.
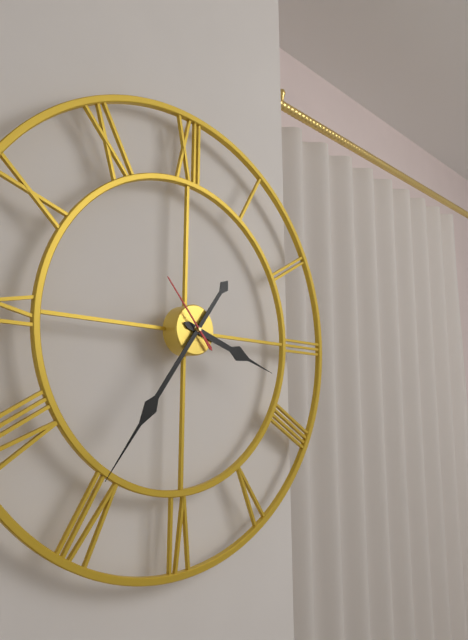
3:36:53
